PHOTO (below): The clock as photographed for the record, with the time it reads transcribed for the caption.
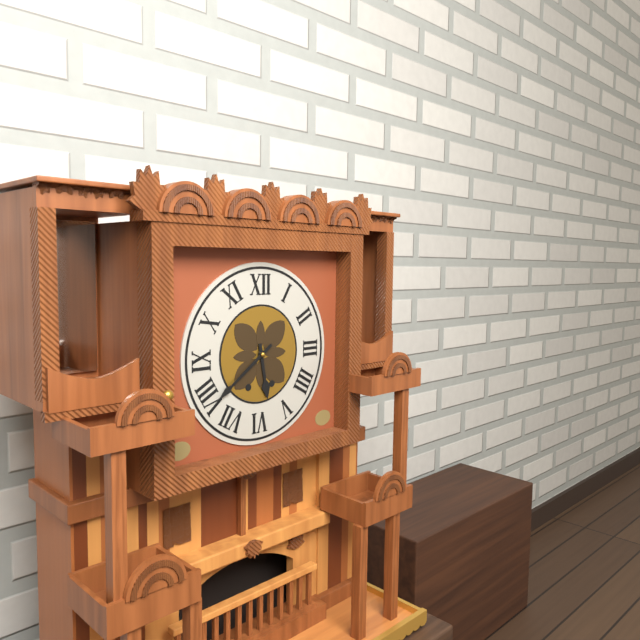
5:39
